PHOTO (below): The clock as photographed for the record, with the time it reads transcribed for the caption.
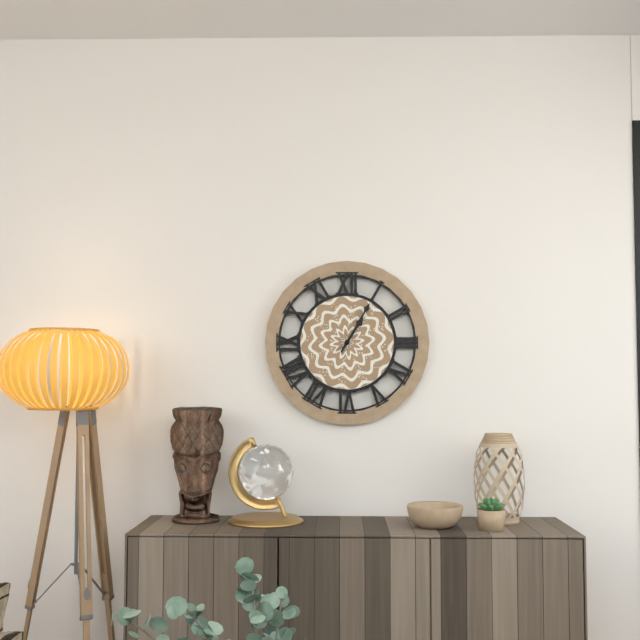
1:05
